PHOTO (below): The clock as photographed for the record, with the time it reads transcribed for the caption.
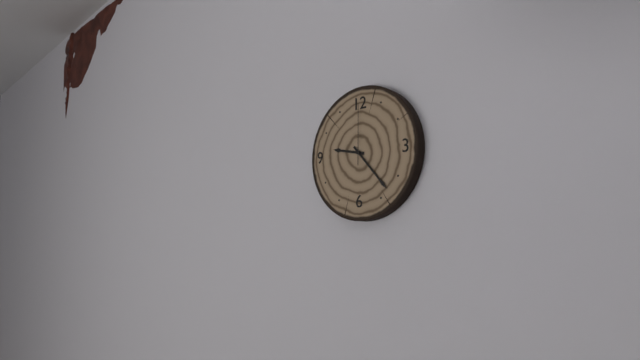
9:23:00
